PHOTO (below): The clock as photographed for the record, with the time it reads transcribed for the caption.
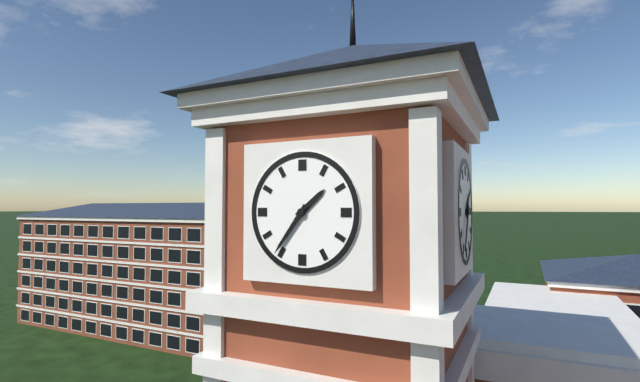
1:36
